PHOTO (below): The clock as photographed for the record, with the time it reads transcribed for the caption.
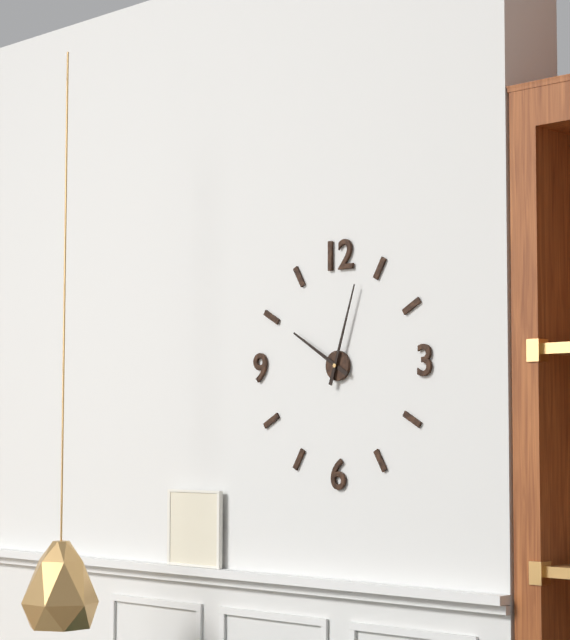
10:03
